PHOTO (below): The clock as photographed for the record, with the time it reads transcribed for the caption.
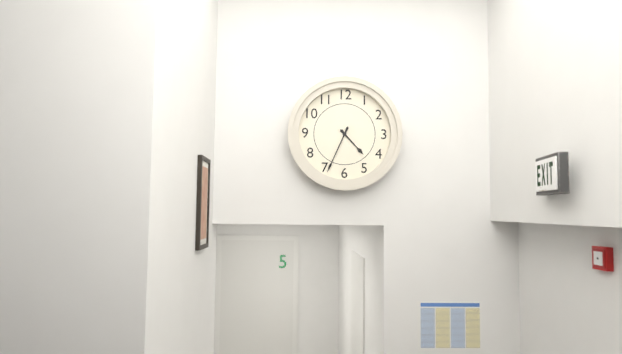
4:34
